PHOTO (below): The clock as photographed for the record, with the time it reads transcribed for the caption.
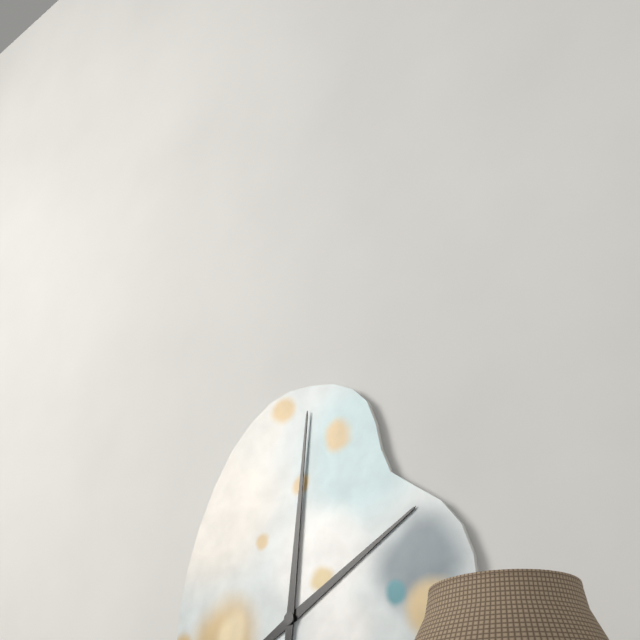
2:01
